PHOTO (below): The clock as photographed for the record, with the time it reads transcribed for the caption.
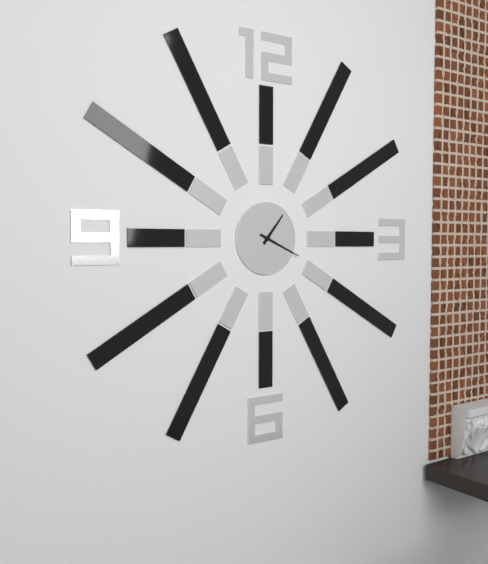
1:19
